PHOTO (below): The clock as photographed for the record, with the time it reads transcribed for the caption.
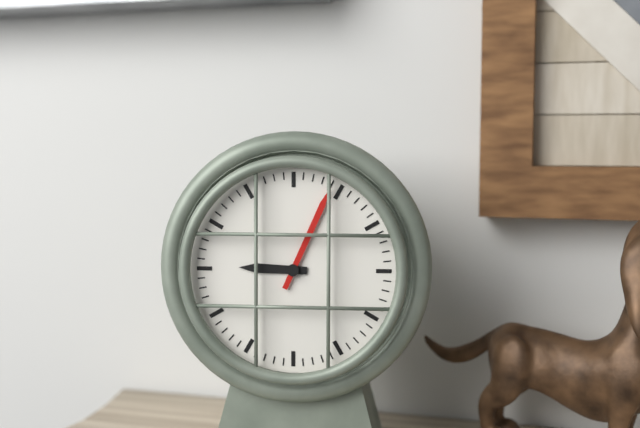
9:04
